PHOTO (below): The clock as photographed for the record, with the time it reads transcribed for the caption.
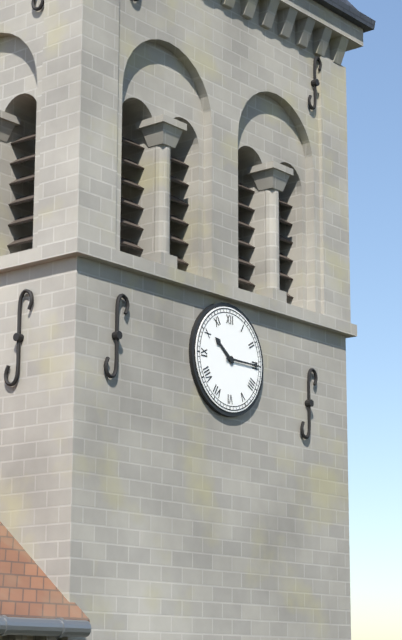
10:15
